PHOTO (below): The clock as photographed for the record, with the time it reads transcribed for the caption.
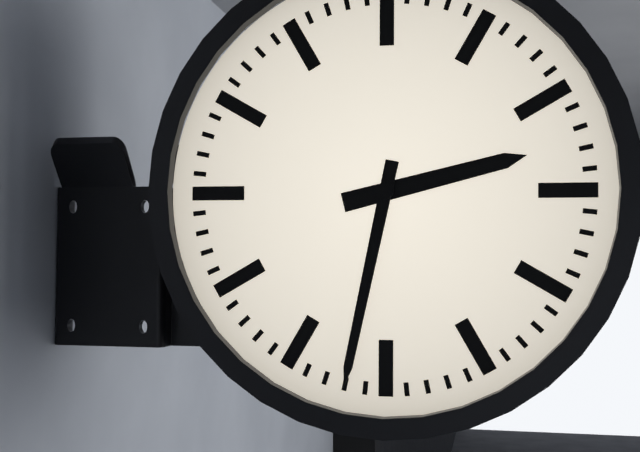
2:32
